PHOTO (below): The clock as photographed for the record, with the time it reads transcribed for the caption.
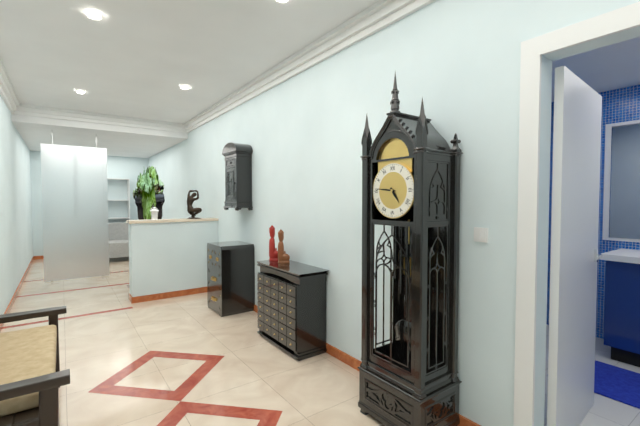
4:46
